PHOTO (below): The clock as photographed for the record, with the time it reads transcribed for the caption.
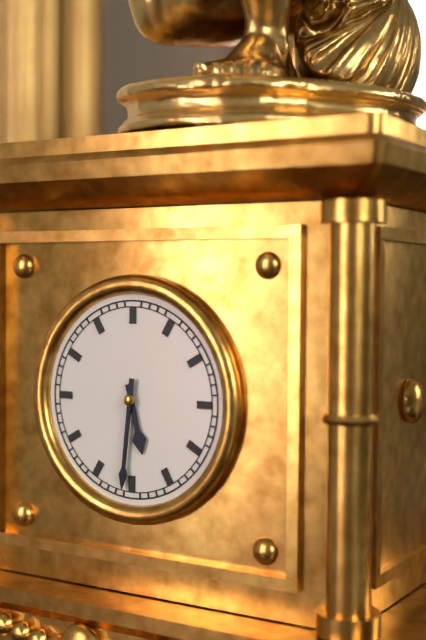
5:31
